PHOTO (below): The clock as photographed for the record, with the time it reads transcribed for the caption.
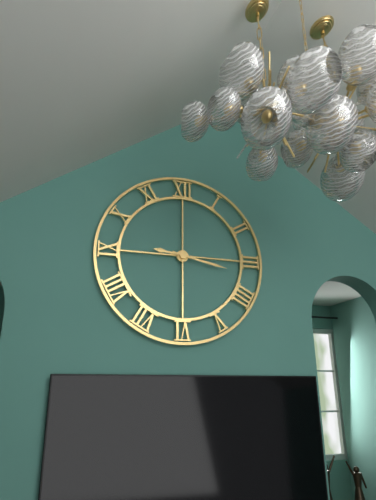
9:17
